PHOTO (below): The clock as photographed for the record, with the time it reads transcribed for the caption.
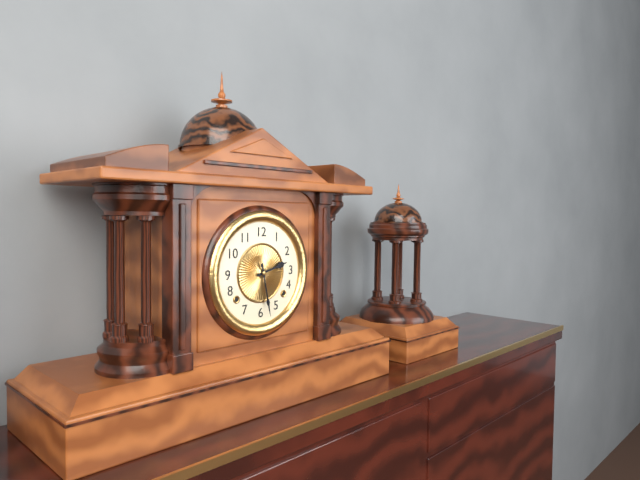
2:28
